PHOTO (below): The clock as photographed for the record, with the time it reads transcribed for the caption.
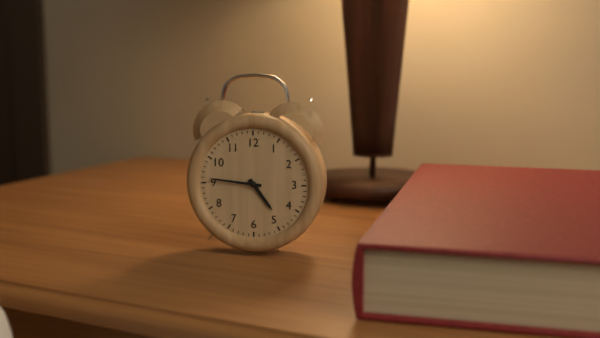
4:46
